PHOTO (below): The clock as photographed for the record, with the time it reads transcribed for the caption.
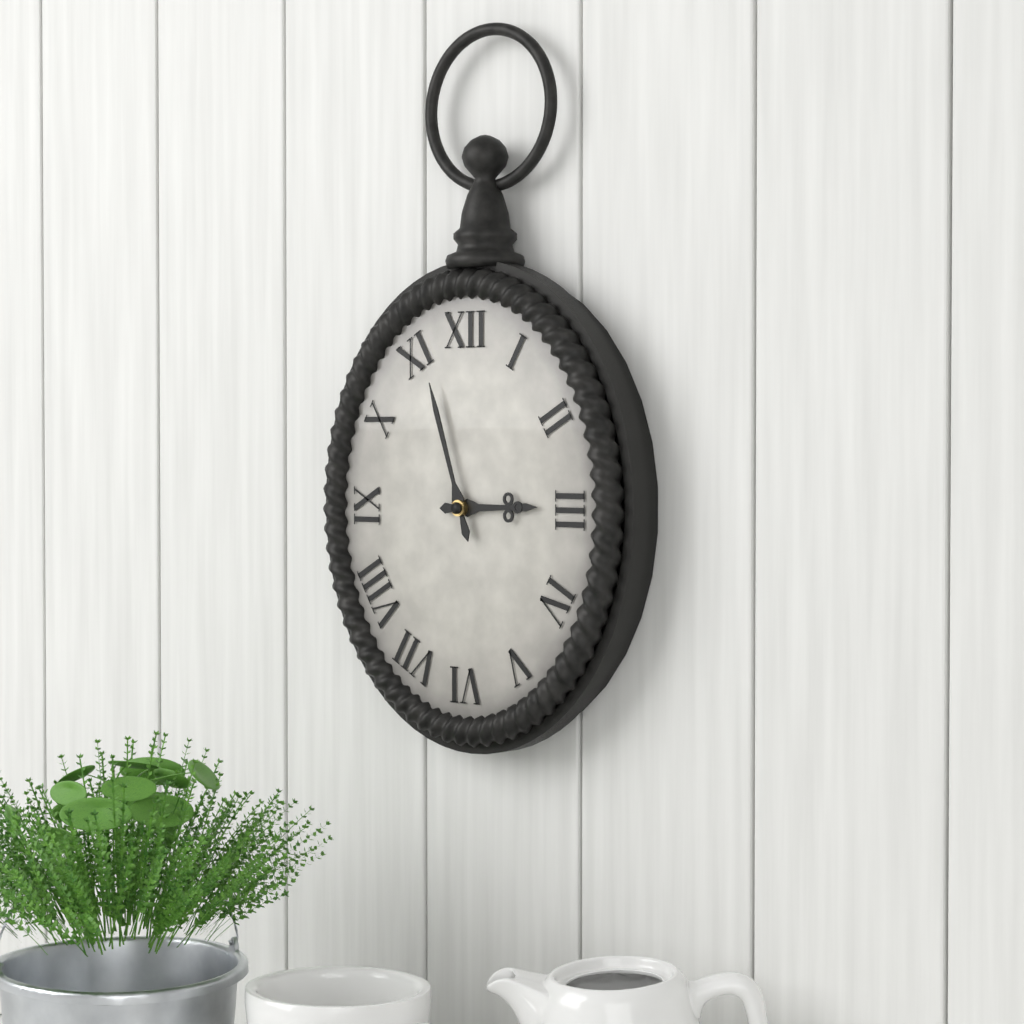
2:57
